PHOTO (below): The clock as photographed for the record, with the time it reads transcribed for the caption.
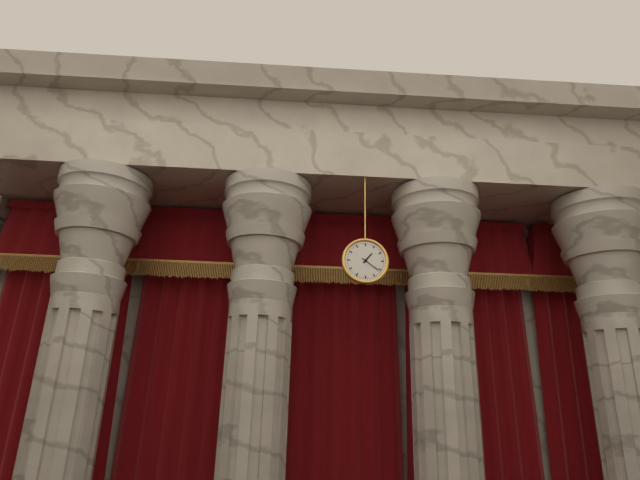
1:21
